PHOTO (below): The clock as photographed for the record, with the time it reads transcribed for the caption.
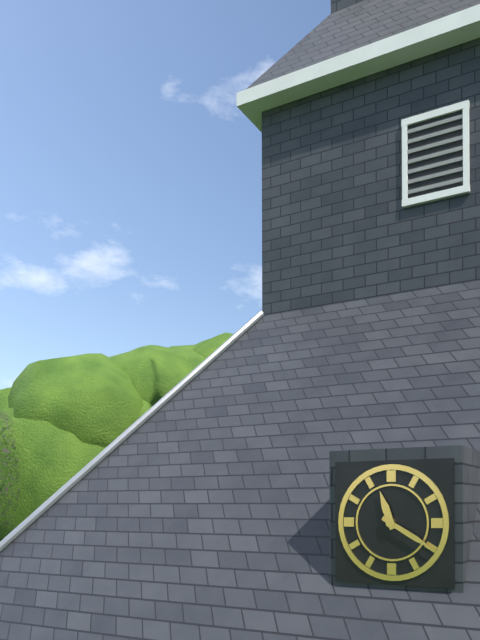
11:20
